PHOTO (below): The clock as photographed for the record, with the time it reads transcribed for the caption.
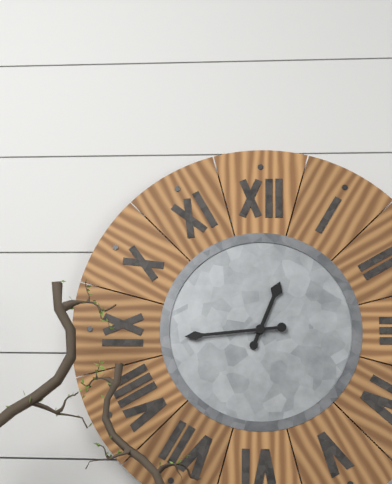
12:44
